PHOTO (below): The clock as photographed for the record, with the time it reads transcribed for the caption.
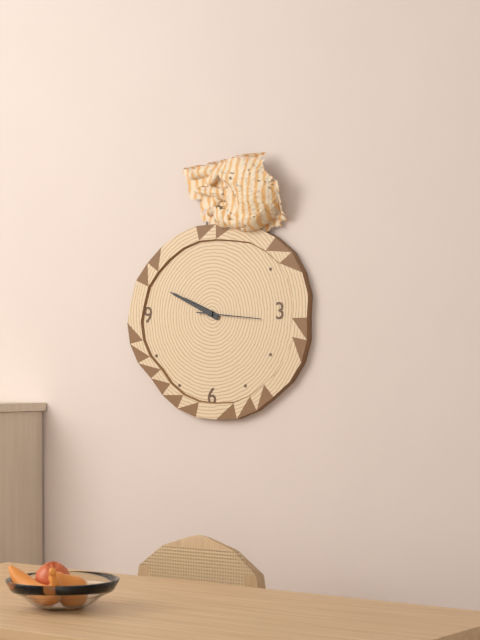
9:49:16
